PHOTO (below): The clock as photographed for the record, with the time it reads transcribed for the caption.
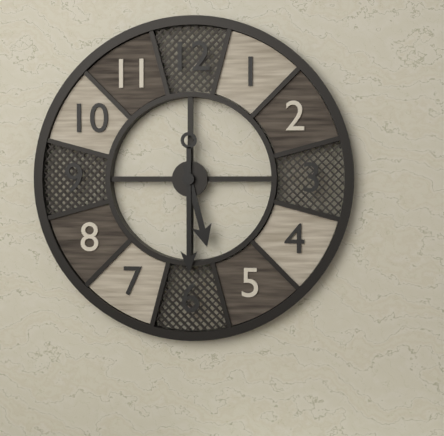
5:30
